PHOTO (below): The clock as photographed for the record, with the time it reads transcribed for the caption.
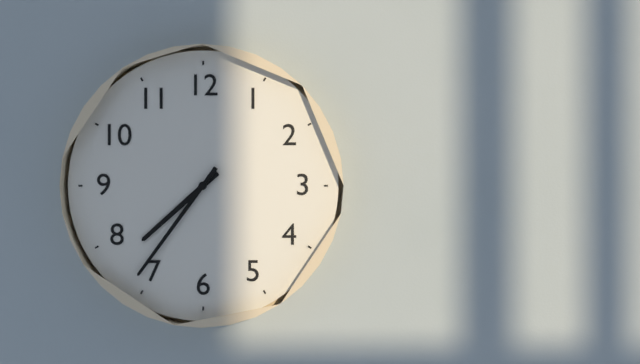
7:36
